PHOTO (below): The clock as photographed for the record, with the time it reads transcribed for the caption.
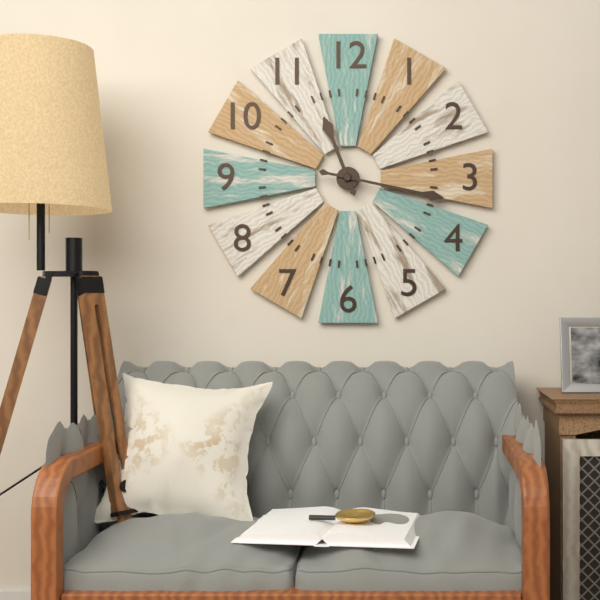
11:17
